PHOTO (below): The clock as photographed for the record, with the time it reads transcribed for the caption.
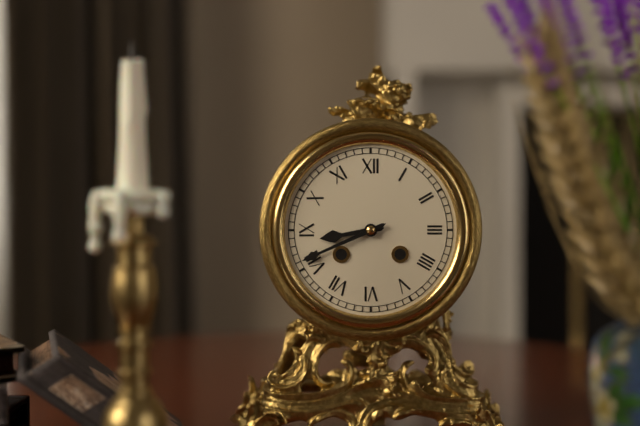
8:41
